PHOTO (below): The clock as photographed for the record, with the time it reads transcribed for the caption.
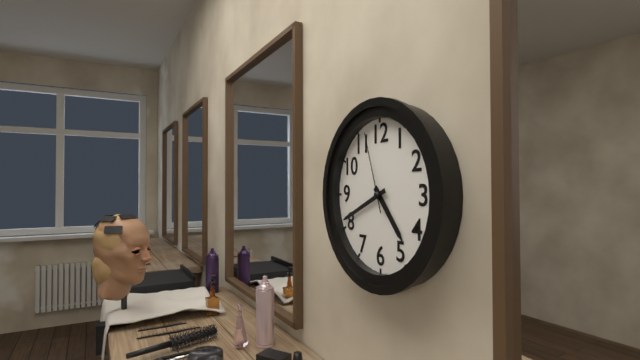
4:41:57
